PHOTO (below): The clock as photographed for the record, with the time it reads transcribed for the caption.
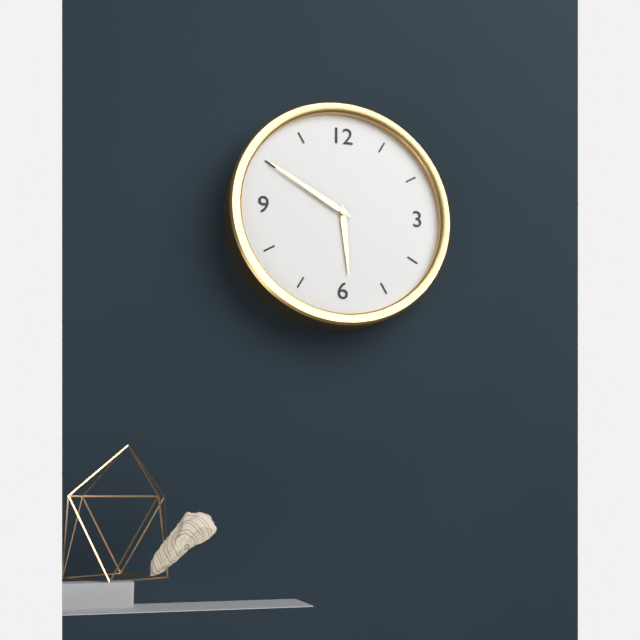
5:50
